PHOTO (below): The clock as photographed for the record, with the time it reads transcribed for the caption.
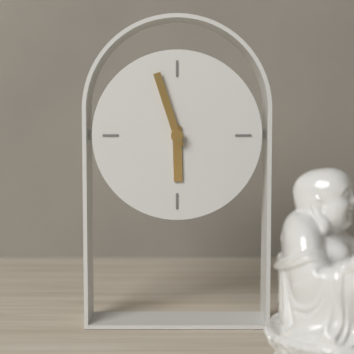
5:57
